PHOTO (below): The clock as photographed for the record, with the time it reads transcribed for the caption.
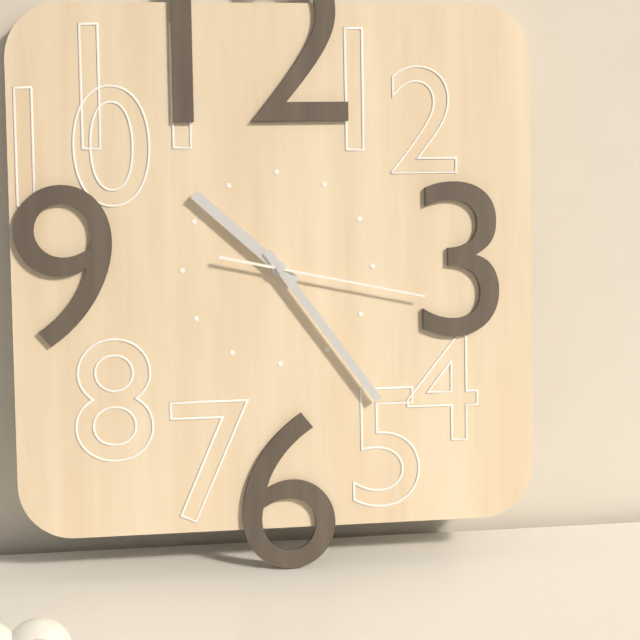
10:24:17
